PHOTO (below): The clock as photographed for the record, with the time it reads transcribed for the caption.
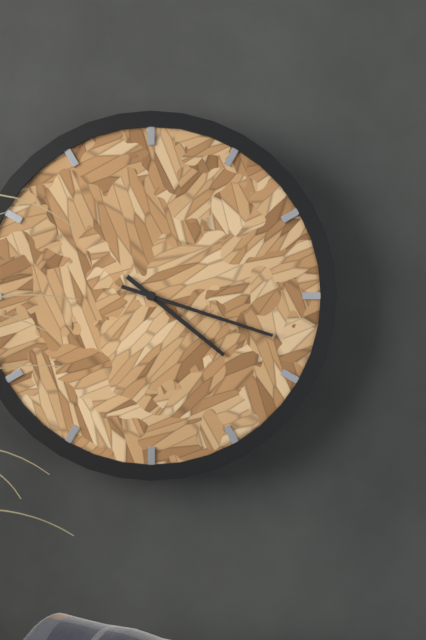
4:18
